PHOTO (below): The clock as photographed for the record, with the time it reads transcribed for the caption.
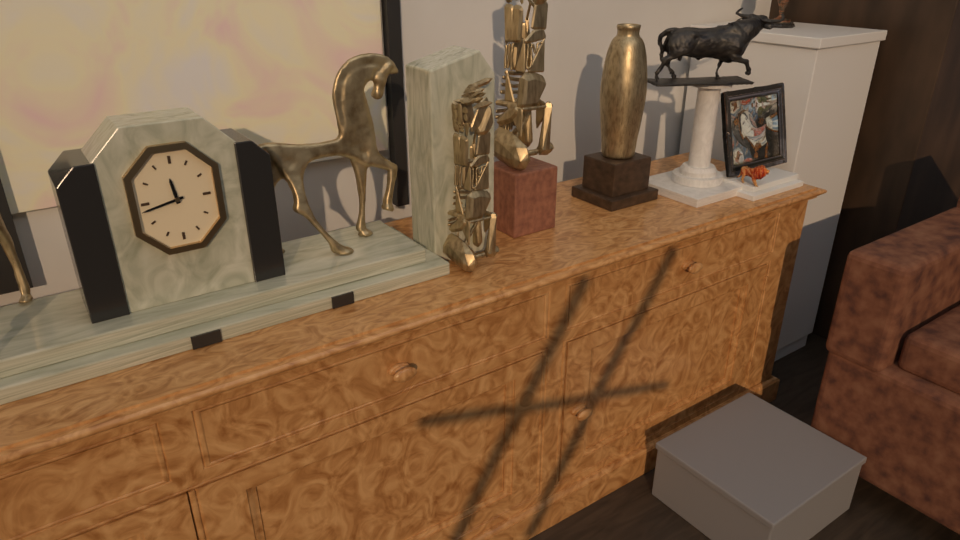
11:43
